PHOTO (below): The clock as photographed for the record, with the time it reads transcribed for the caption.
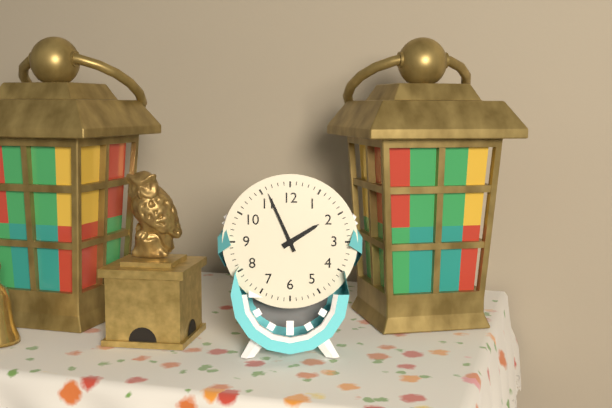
1:56
